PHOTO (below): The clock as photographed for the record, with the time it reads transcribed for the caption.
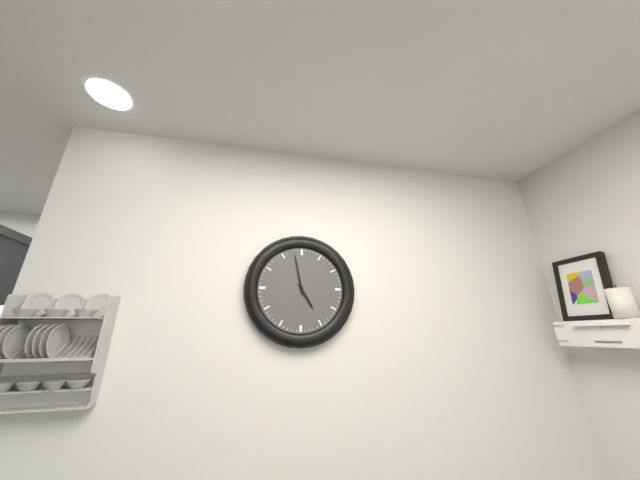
4:58
